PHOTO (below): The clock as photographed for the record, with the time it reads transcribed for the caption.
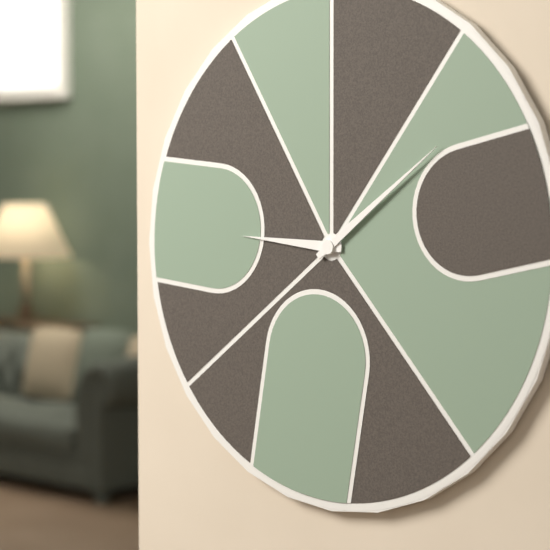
9:09
